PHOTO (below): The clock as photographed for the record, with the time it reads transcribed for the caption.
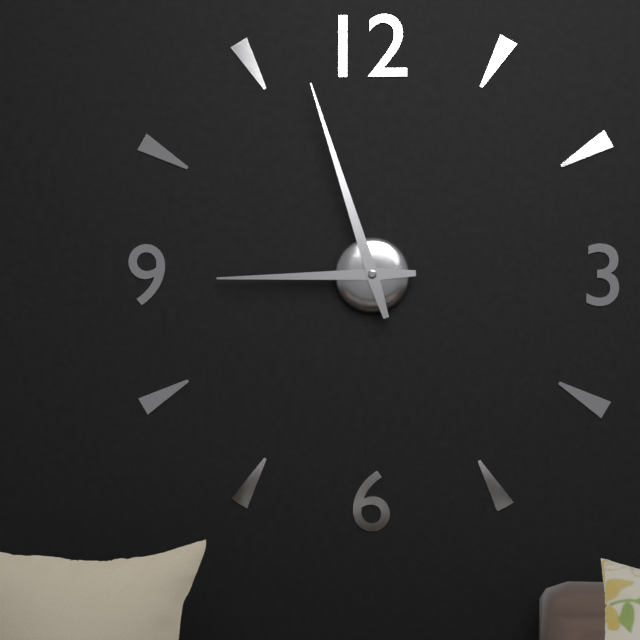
8:57
